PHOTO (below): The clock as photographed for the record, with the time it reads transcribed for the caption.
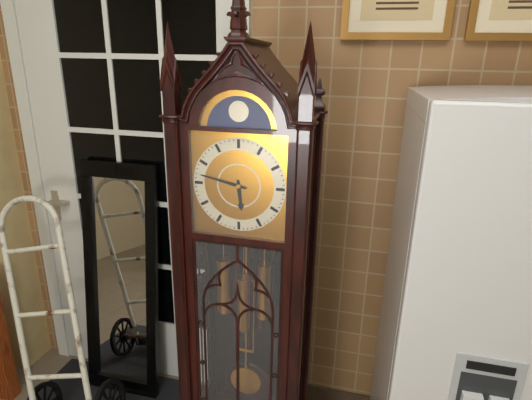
5:47
